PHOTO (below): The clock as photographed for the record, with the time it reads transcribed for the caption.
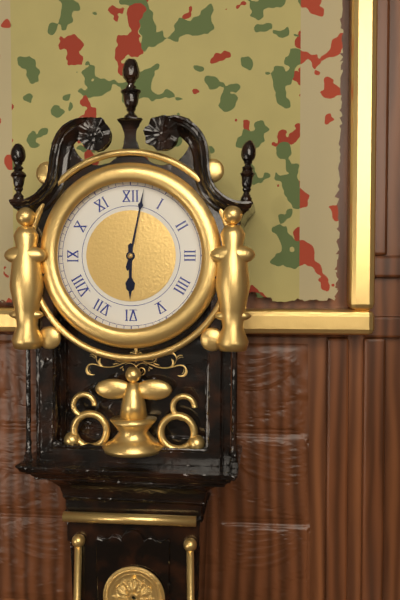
6:02
